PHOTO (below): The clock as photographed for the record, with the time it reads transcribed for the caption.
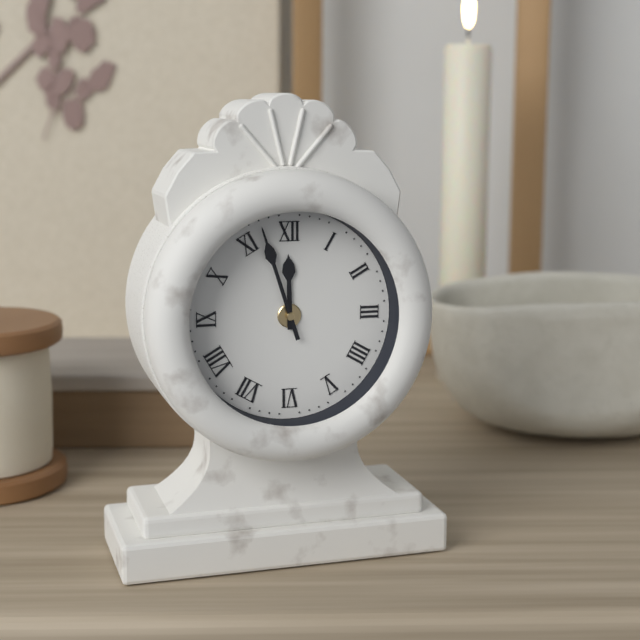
11:57
